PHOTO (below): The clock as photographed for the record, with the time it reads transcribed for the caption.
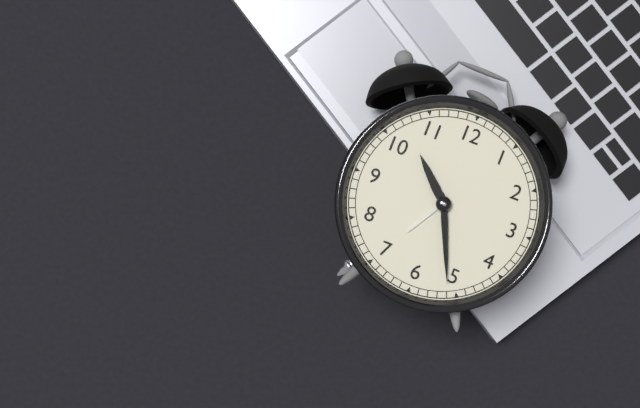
10:26
